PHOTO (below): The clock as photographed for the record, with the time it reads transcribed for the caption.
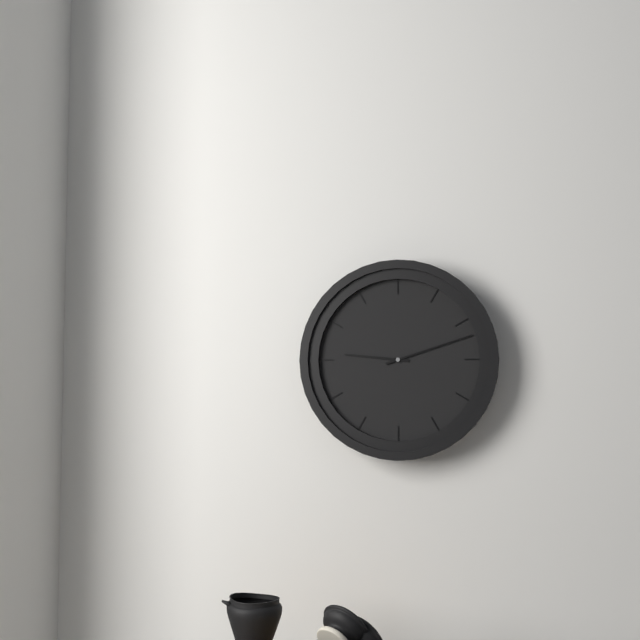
9:12
